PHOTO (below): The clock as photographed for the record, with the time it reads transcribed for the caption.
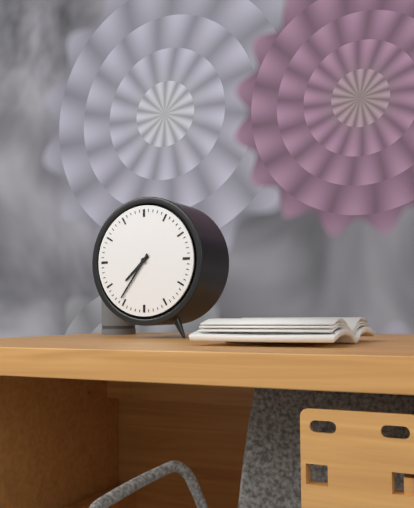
7:36
